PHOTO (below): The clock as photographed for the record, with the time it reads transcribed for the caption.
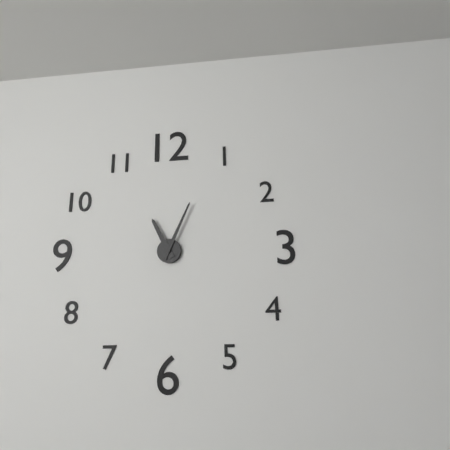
11:04
